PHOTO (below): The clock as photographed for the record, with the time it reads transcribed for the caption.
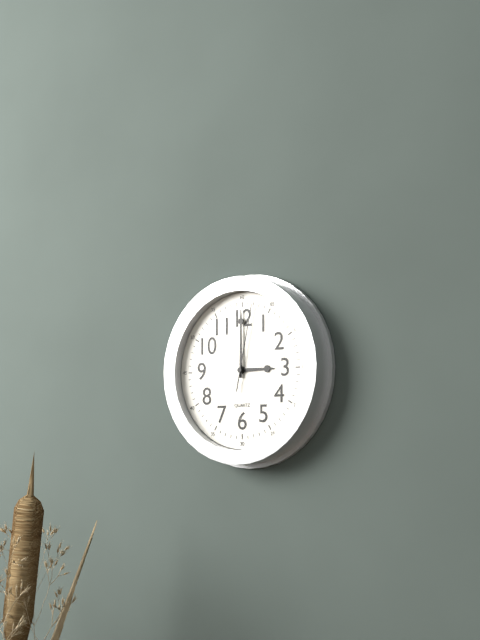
3:00:02
